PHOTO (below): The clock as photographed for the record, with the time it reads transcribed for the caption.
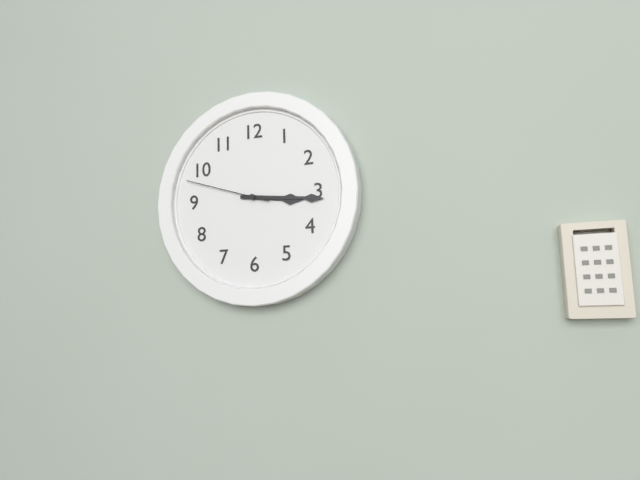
3:16:48
